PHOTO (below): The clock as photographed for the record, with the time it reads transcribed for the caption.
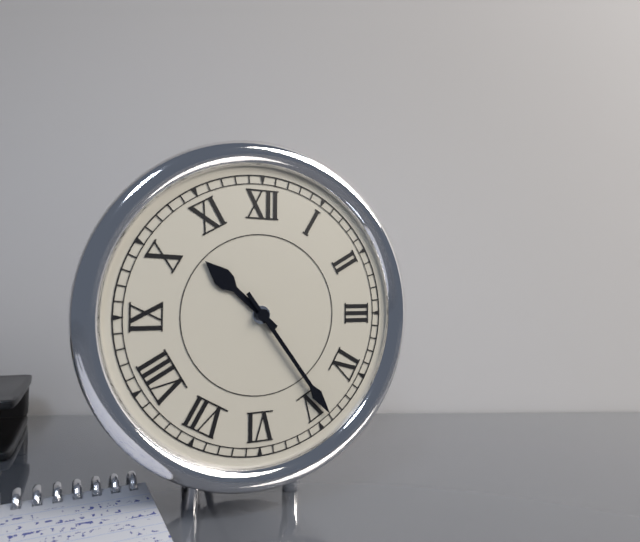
10:24
